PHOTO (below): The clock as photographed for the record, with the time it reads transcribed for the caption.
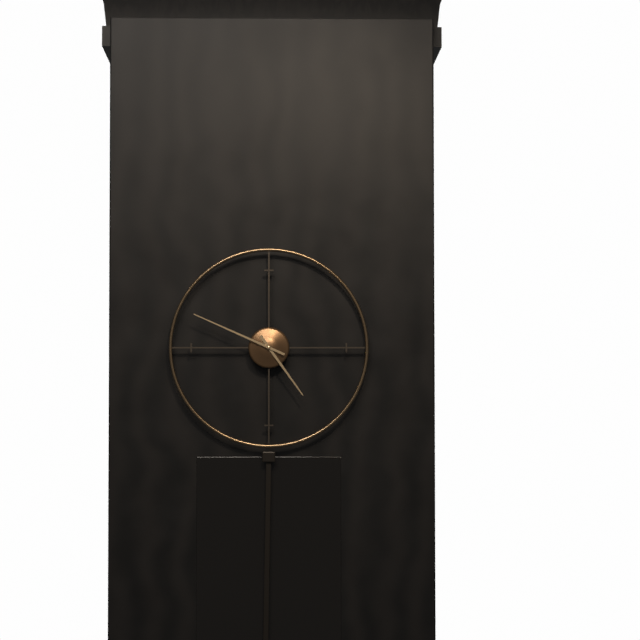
4:49
